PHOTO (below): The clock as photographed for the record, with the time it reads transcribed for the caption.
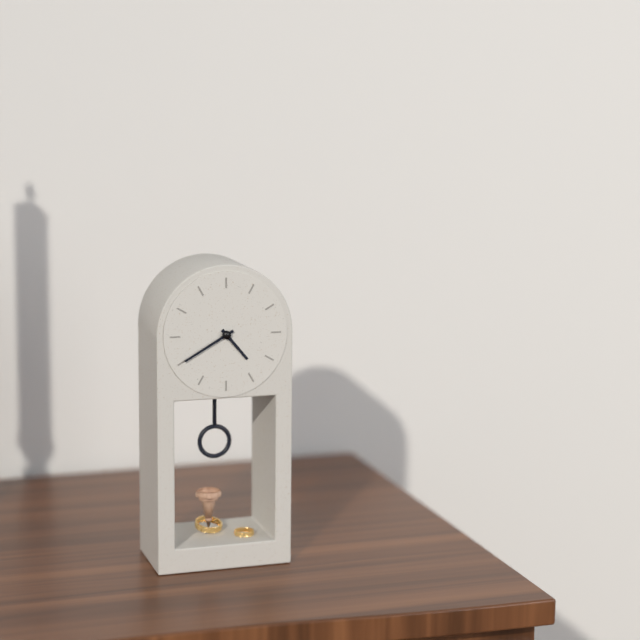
4:40
